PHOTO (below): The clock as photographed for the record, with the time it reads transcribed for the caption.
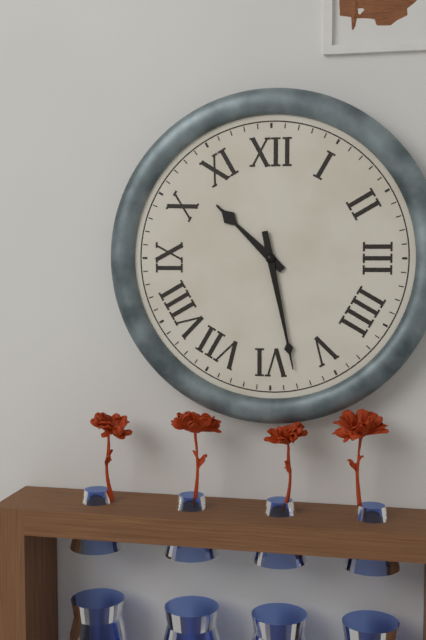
10:28
